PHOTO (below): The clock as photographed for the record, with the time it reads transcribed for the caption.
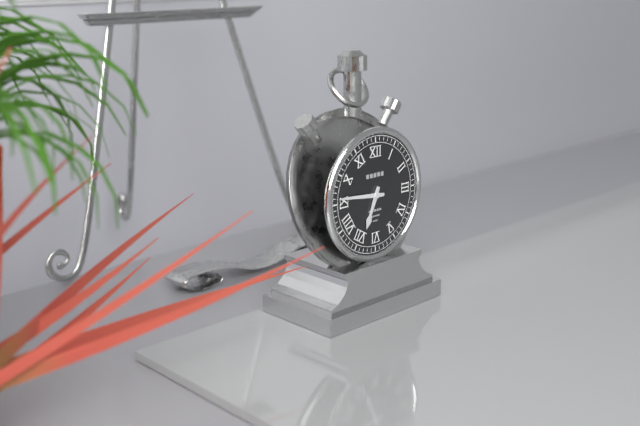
6:46
